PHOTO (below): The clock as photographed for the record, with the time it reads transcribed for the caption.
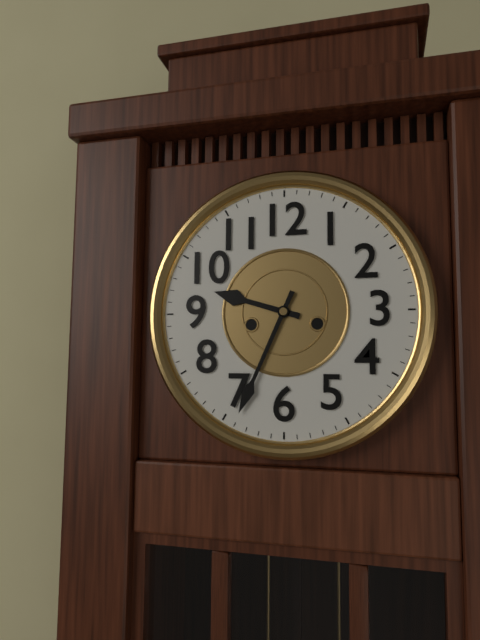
9:34
